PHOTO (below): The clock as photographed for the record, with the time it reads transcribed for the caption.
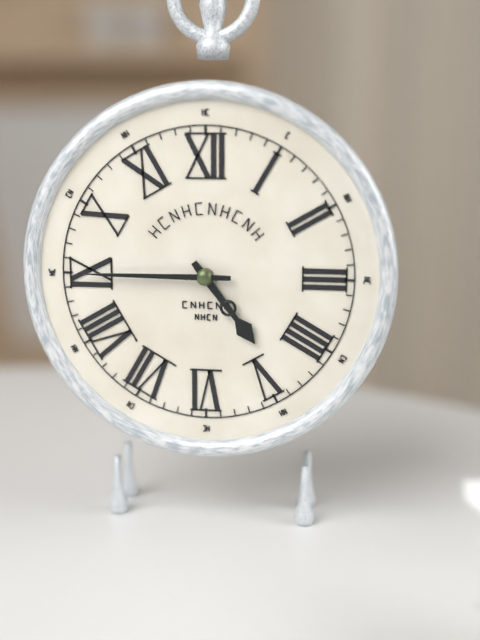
4:45
